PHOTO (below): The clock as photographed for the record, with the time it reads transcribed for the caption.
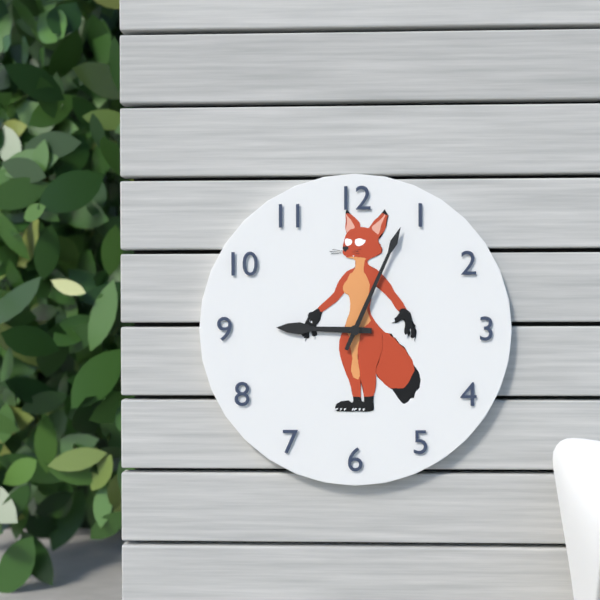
9:04
